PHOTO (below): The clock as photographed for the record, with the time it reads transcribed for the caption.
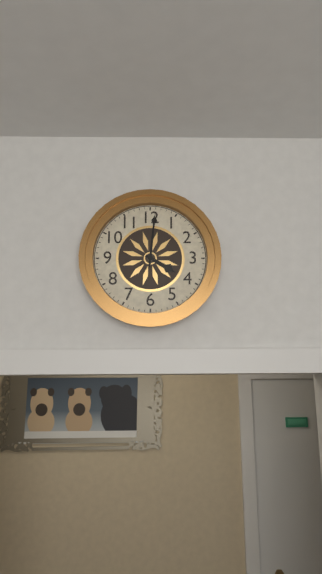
4:01
